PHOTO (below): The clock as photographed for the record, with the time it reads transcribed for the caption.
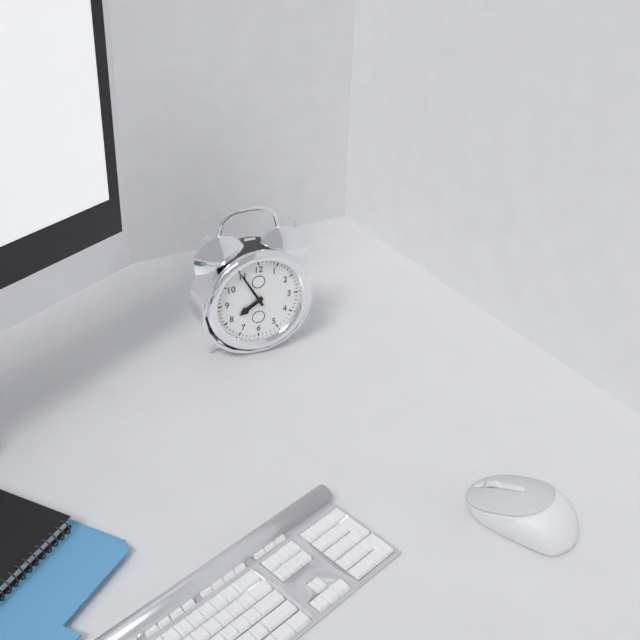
7:55
